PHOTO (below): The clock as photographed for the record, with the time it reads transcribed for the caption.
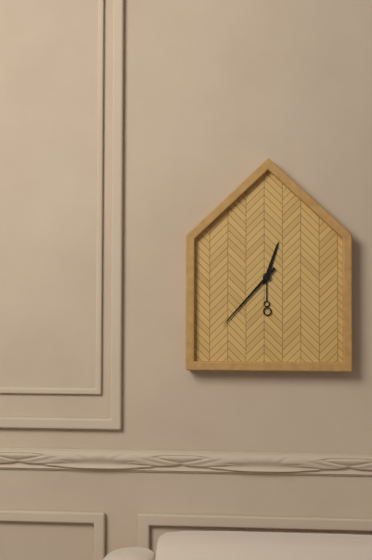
12:37
